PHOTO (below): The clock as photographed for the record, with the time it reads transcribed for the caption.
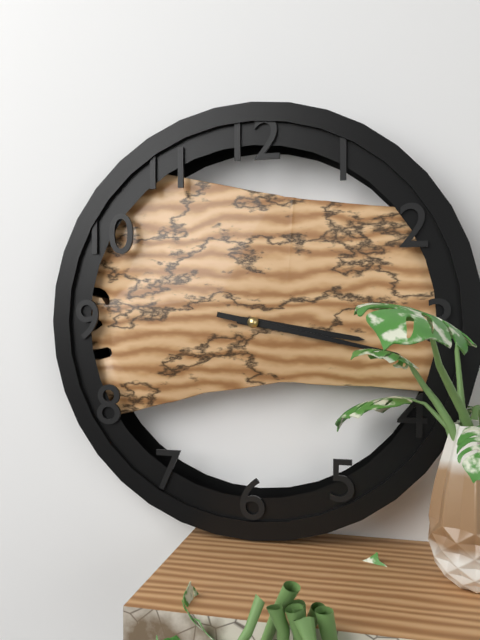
3:17
